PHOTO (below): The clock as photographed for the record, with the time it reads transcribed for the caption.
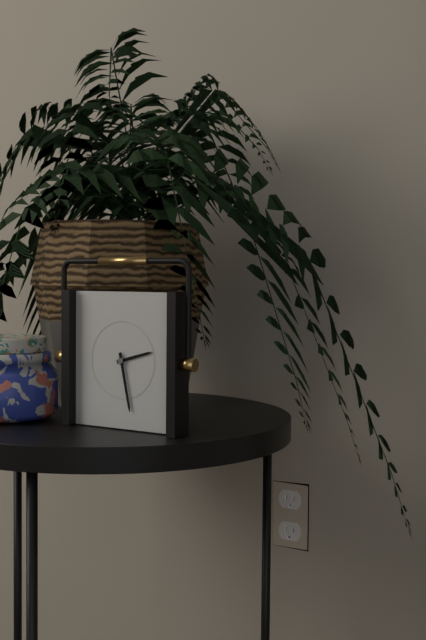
2:28
